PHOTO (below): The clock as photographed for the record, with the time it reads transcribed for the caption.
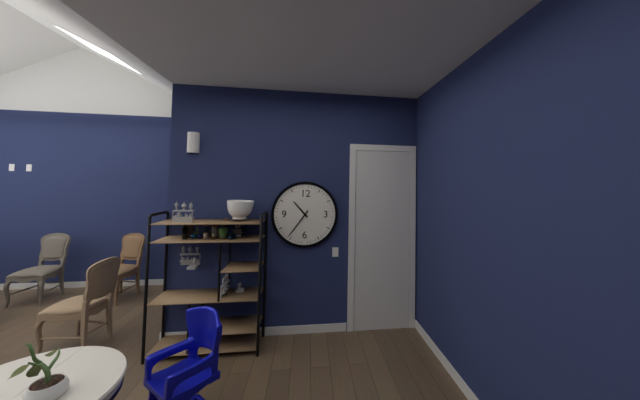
10:36
